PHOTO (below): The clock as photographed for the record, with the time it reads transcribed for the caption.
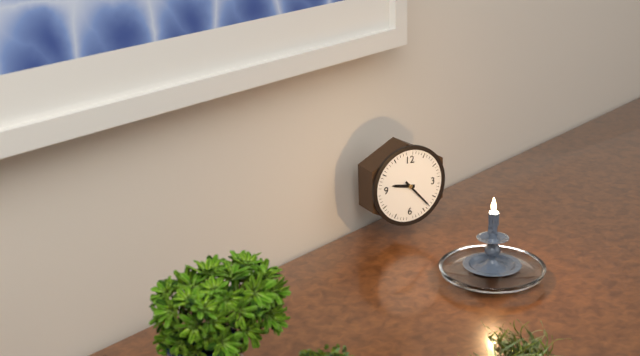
9:23
